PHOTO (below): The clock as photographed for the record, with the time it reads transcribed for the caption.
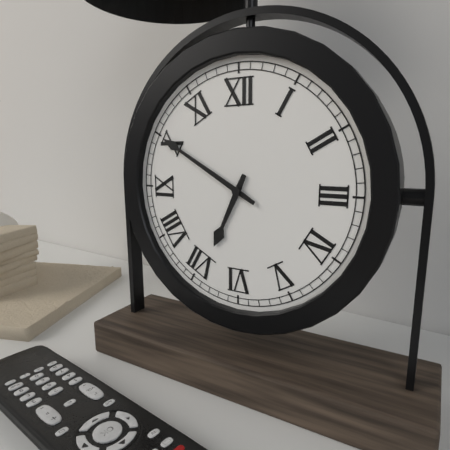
6:50
